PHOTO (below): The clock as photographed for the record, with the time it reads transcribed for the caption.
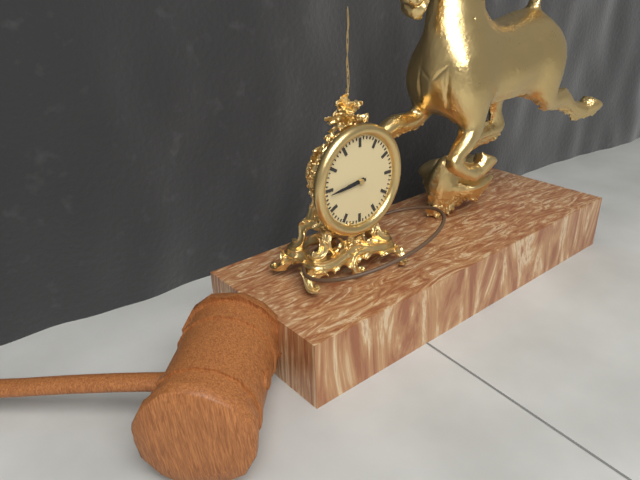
8:44
